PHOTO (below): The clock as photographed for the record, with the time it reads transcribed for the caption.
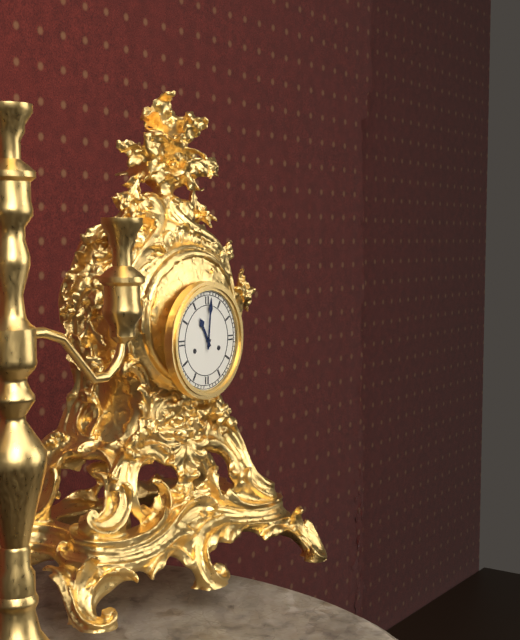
11:01
